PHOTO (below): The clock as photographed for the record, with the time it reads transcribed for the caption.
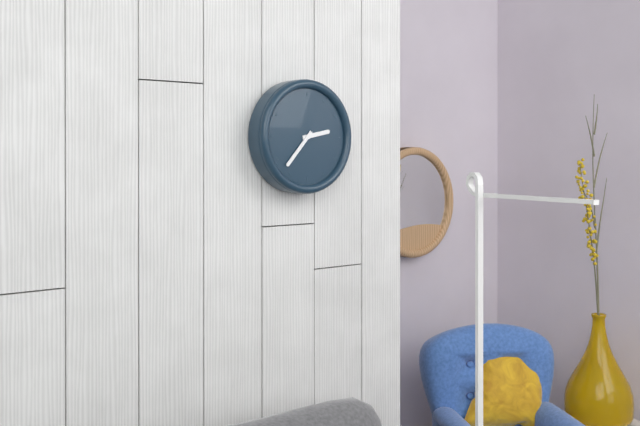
2:37
